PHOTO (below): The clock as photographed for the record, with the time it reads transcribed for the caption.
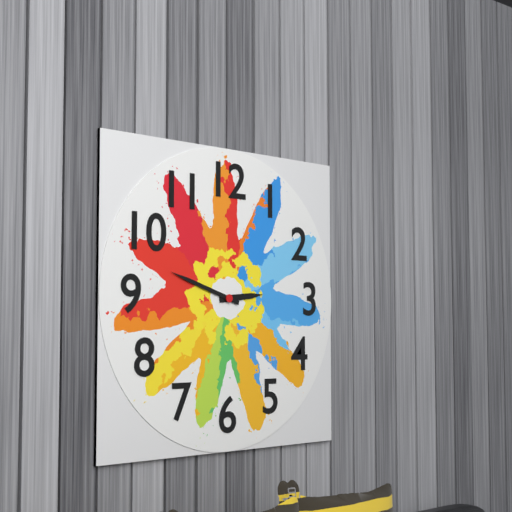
2:48
